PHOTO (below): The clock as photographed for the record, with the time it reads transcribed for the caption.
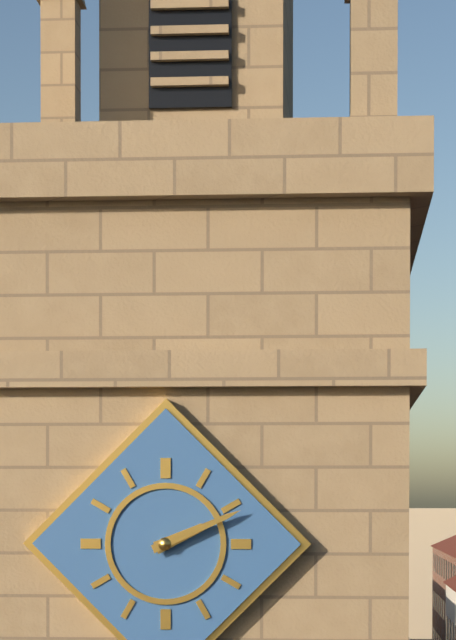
2:11
